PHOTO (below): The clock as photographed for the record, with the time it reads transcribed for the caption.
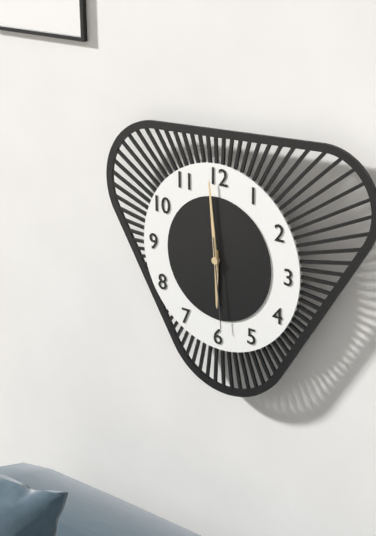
5:59:29
